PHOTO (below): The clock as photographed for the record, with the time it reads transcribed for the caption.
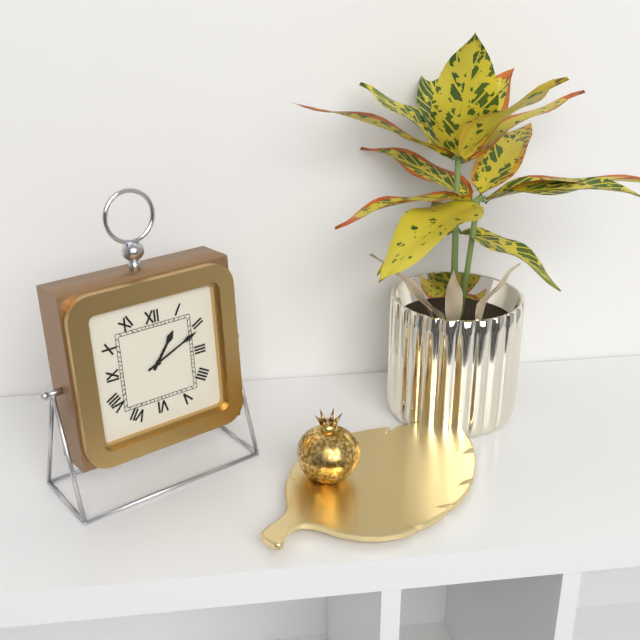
1:11
